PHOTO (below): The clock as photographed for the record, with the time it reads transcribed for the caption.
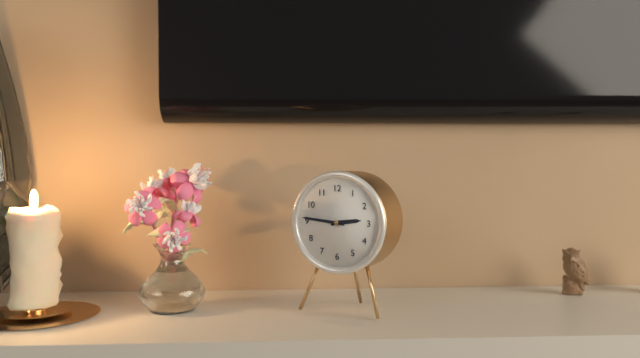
2:46
